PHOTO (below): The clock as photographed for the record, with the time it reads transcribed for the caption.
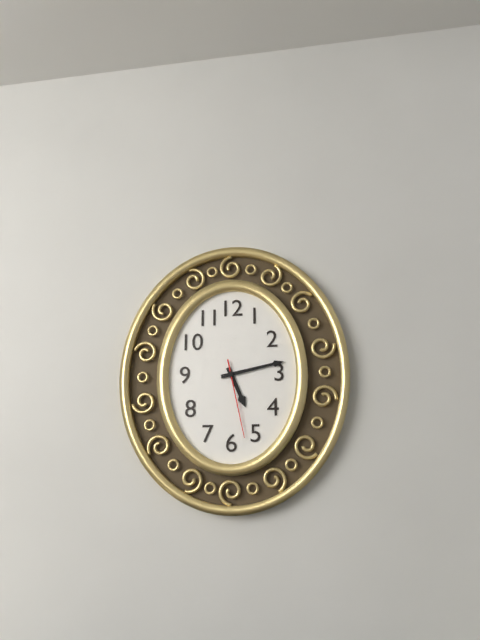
5:13:28
